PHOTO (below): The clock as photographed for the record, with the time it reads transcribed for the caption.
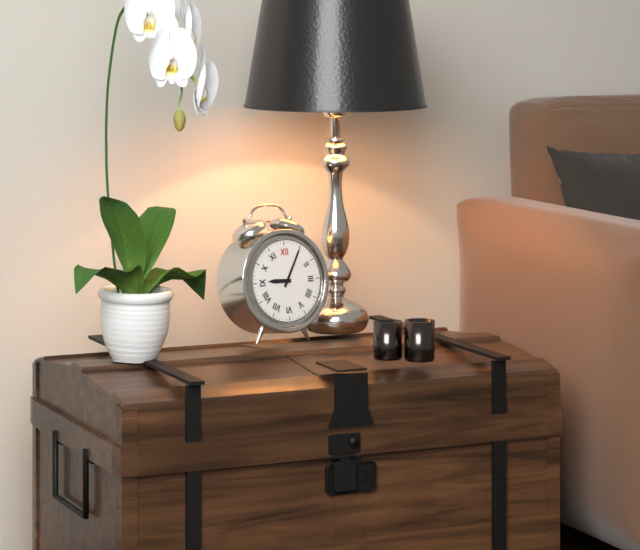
9:05
